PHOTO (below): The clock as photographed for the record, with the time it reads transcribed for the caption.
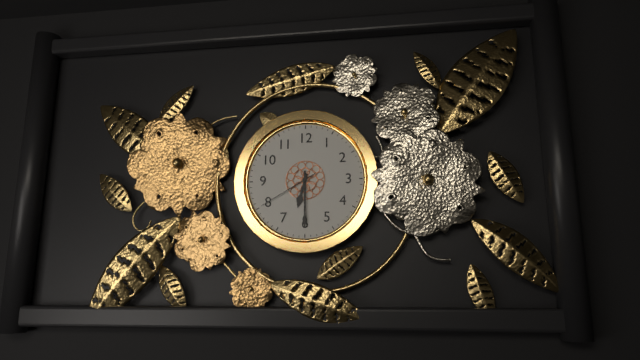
6:30:40
